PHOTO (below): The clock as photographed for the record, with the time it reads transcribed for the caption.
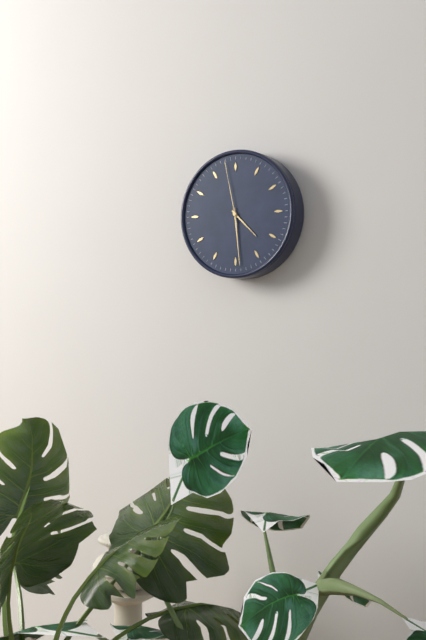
4:29:58
